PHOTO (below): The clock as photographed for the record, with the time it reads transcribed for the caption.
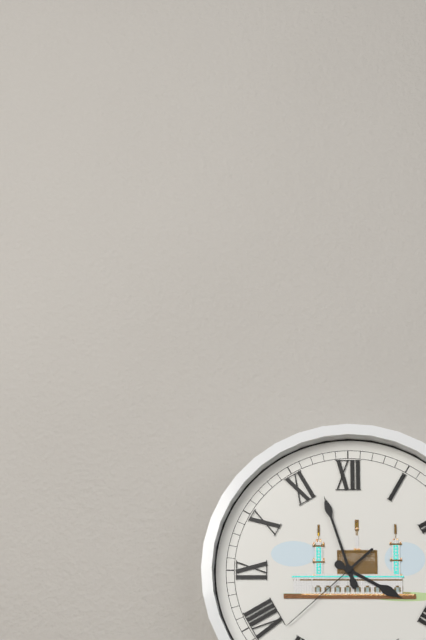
3:57:38
